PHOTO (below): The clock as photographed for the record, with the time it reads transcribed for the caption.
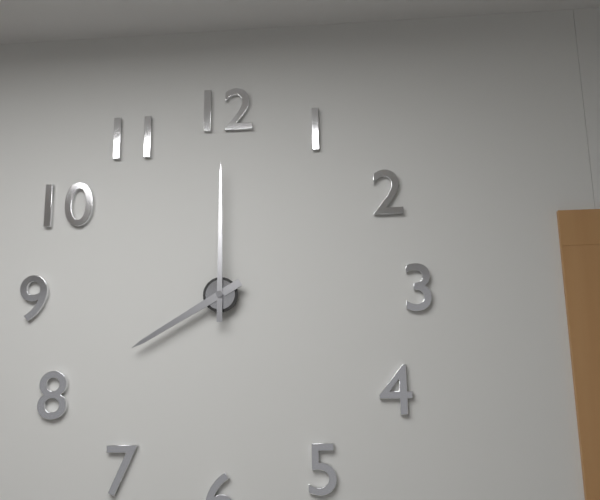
8:00
